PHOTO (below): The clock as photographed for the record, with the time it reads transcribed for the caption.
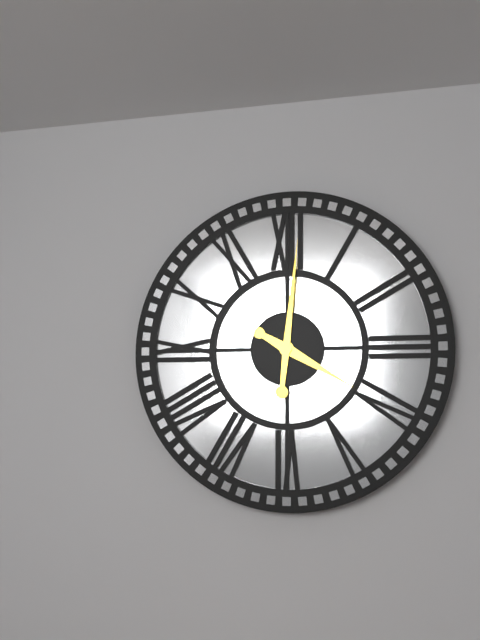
4:01
